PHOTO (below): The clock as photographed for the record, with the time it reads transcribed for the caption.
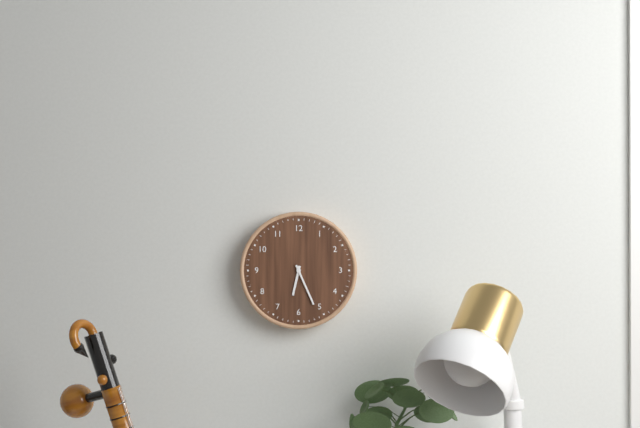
6:26
